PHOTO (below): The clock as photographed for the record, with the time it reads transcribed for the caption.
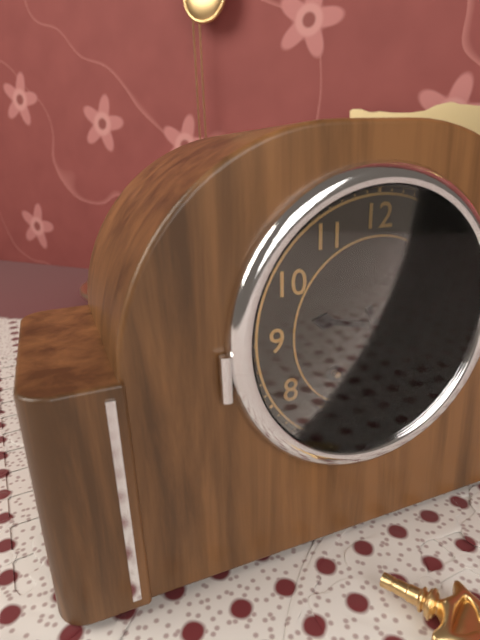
9:26
